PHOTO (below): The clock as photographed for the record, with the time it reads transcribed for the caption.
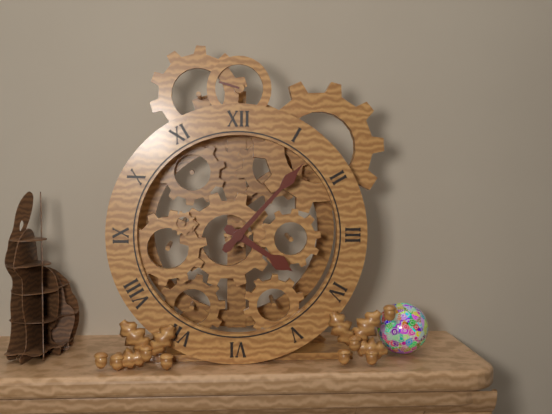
4:07
